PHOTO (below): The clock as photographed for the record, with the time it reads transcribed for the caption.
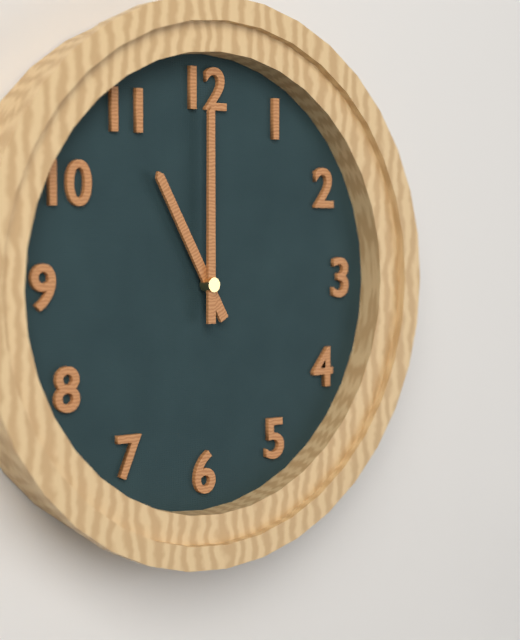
11:00
